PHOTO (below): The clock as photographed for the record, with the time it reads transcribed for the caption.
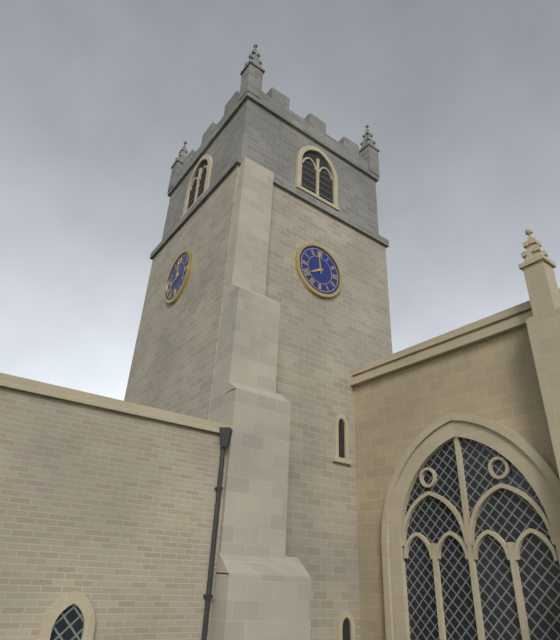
7:59
